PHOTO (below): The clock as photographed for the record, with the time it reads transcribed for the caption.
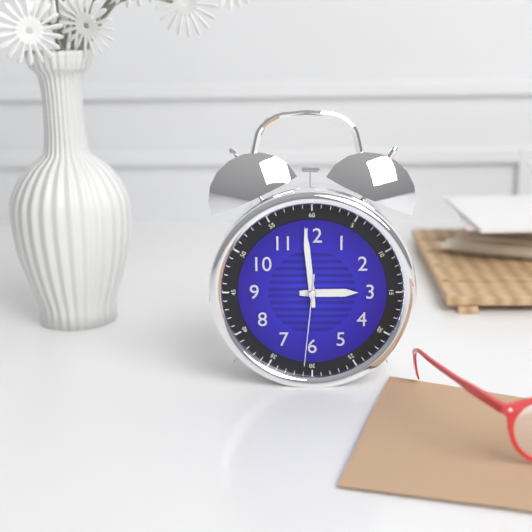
2:59:31
